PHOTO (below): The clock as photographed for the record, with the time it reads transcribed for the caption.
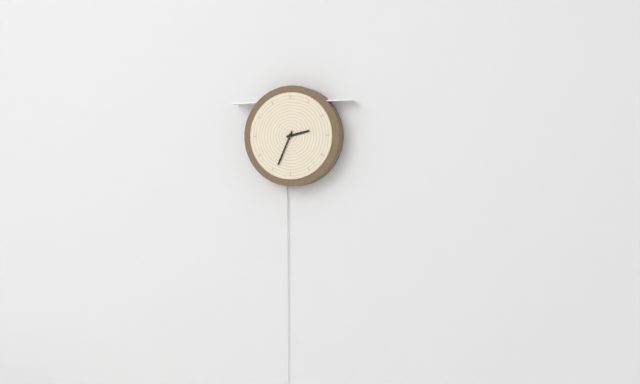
2:34
